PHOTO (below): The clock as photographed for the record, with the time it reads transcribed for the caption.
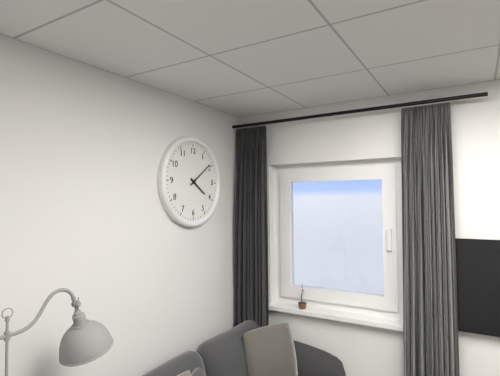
4:09
